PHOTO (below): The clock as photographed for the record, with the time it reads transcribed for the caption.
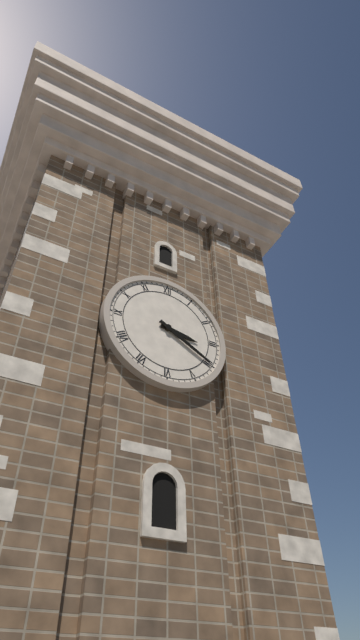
3:20
